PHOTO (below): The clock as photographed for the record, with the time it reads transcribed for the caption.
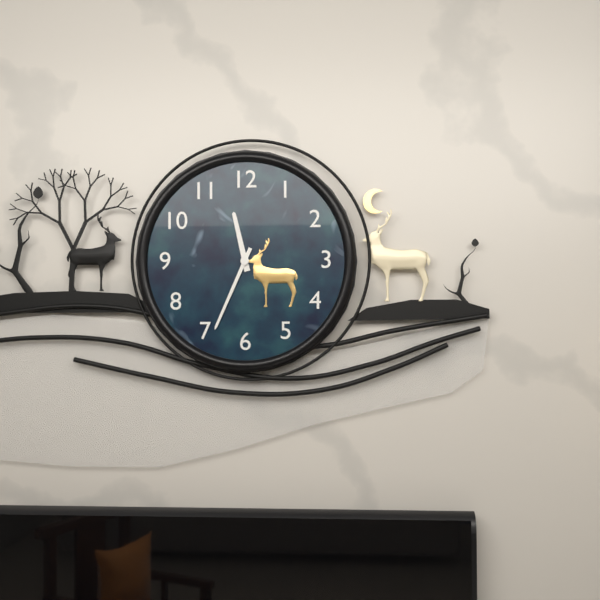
11:34
